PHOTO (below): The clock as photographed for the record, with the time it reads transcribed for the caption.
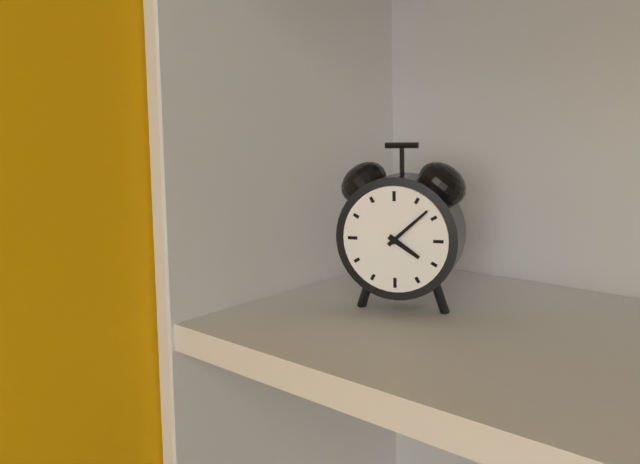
4:08
